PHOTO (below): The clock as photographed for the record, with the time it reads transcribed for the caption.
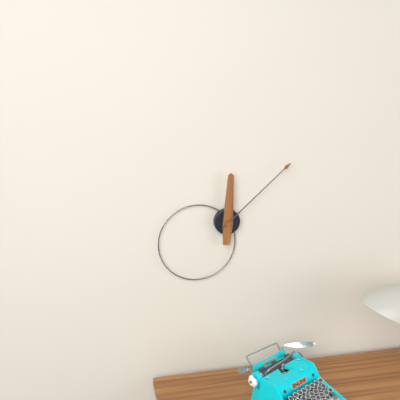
12:08
